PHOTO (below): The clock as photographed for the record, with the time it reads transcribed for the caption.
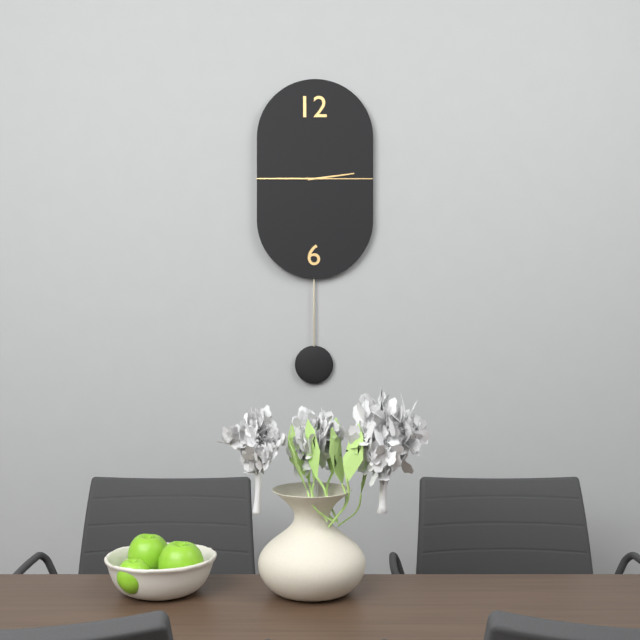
2:45
